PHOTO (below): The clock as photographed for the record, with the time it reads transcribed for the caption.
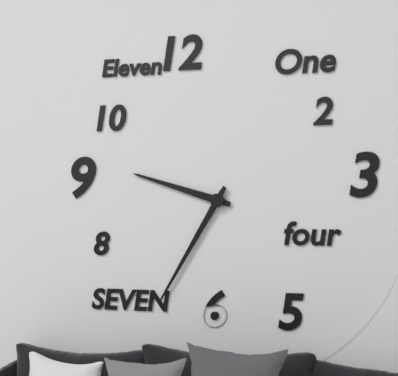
9:35
